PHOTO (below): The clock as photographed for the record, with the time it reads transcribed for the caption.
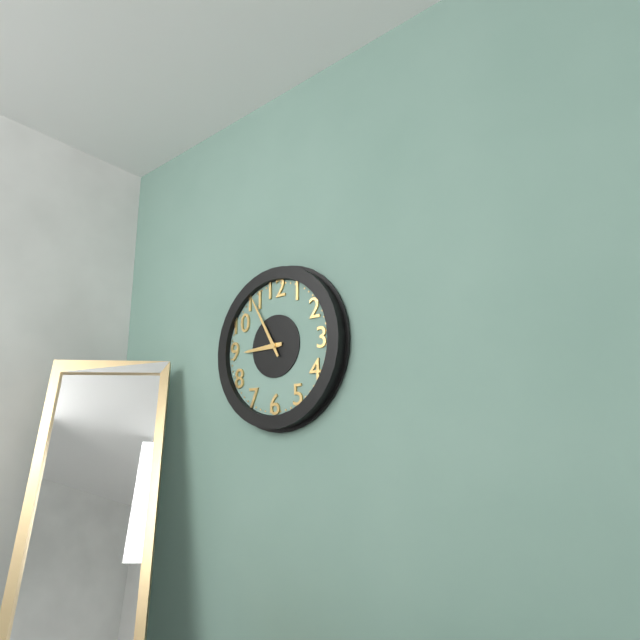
8:55
